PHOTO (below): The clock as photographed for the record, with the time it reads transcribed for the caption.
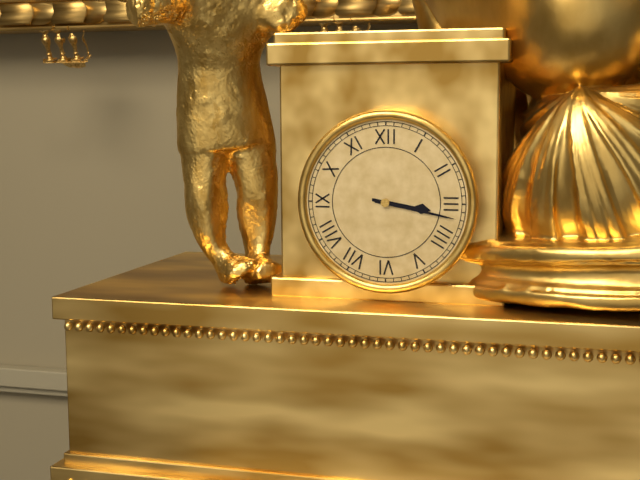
3:17
